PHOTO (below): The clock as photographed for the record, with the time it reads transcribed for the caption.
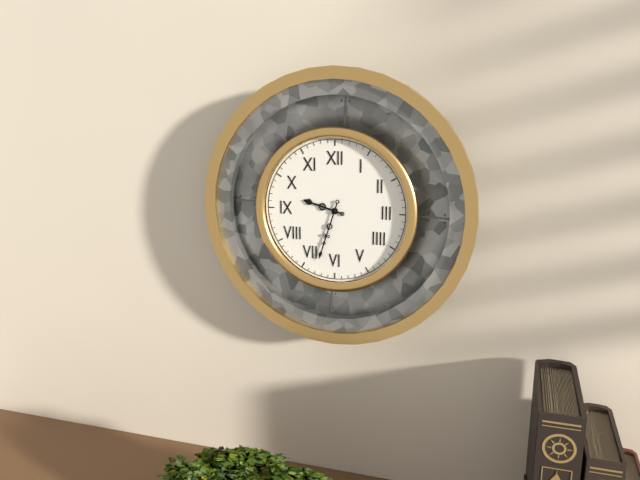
9:33
